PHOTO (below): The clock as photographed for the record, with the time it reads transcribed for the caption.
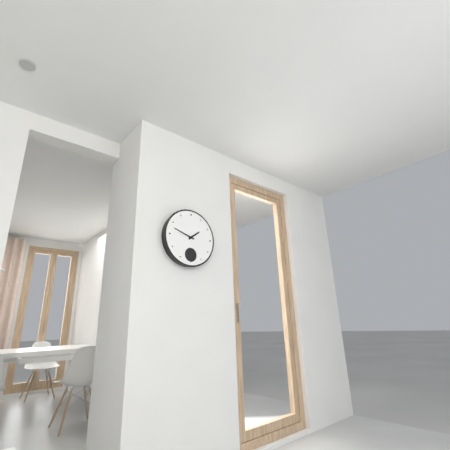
1:48
